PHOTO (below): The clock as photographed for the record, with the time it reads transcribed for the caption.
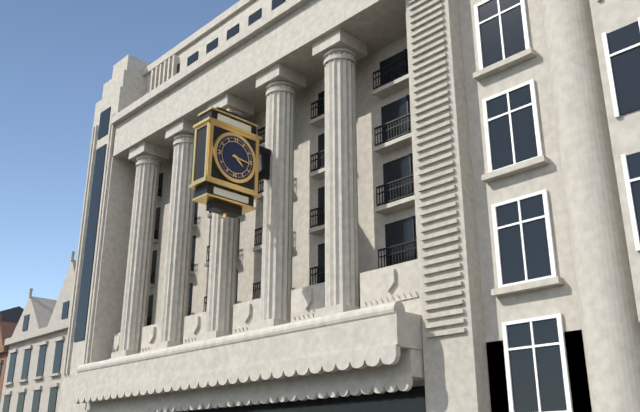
4:16
